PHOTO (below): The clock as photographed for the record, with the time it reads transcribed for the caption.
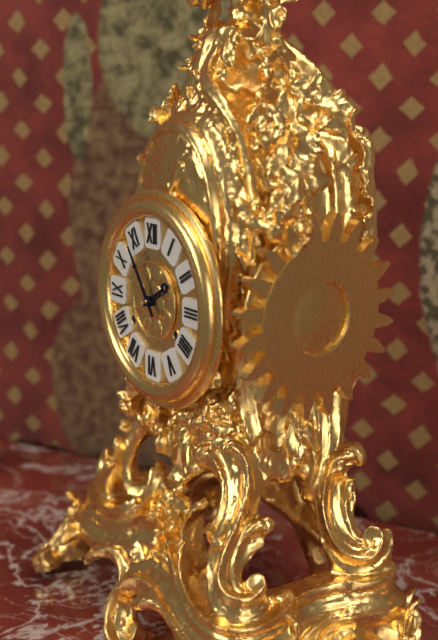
1:54
